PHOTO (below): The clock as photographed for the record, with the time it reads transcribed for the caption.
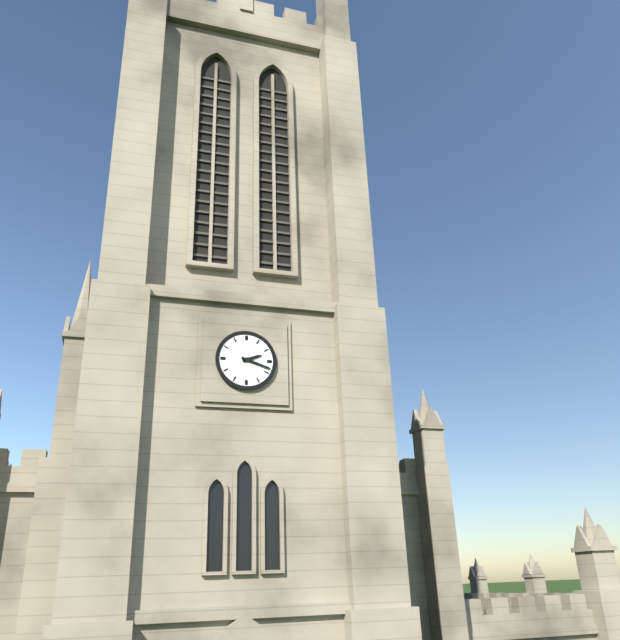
2:18
